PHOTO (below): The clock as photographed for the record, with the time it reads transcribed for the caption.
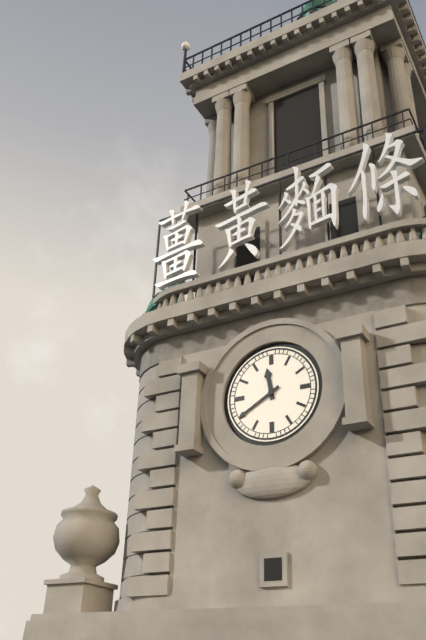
11:40
